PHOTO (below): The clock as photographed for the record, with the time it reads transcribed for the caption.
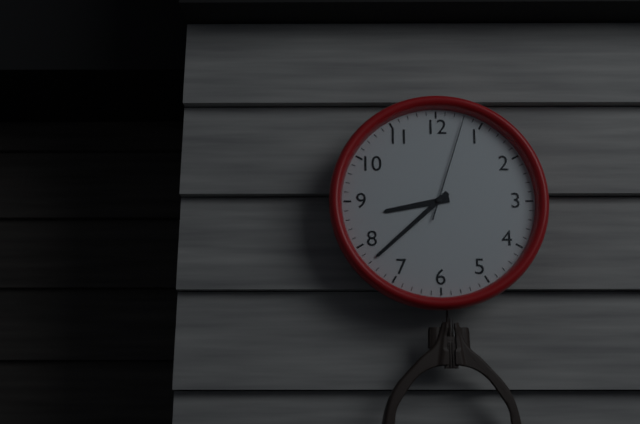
8:38:03
